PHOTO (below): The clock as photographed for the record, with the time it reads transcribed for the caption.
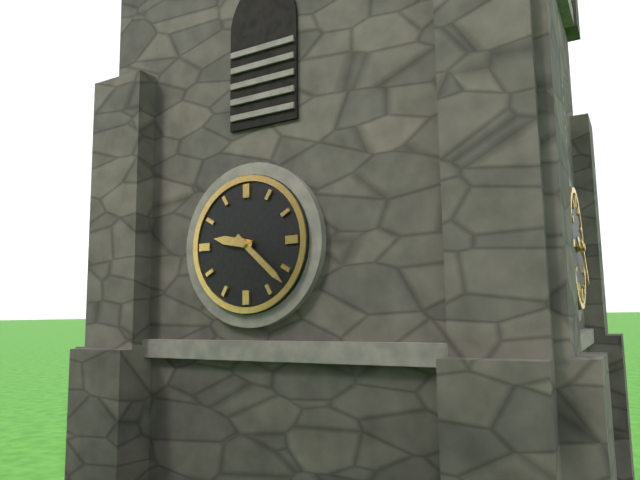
9:22
